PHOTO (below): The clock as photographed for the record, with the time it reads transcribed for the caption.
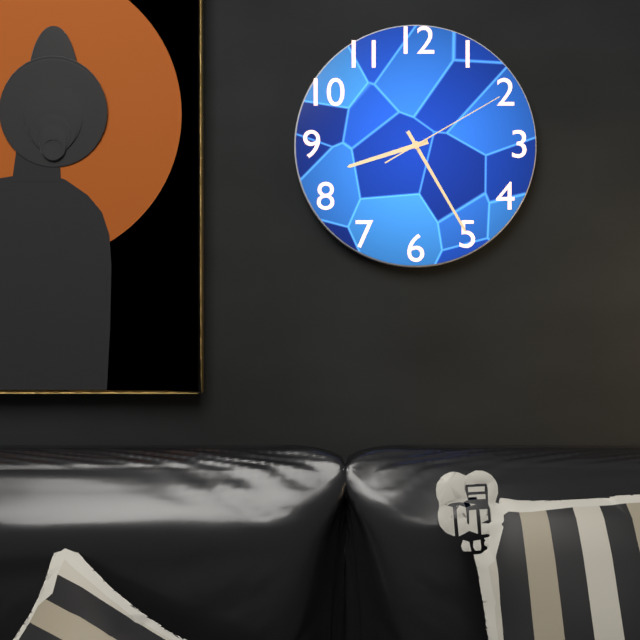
8:25:10
